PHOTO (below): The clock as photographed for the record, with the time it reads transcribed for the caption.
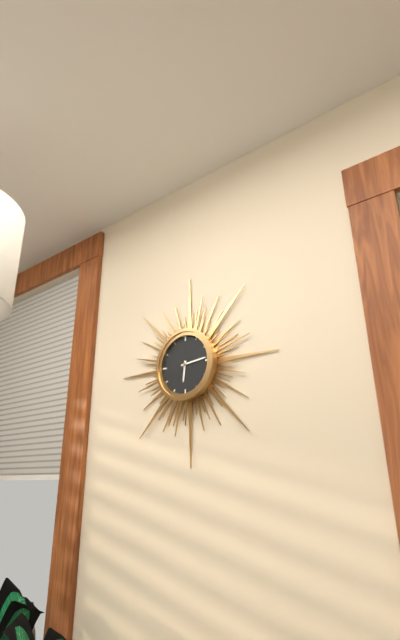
6:14
